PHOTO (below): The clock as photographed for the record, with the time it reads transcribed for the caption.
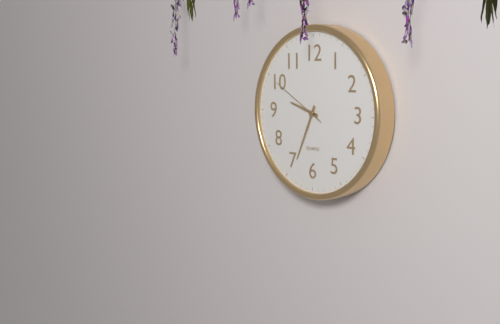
9:34:50
